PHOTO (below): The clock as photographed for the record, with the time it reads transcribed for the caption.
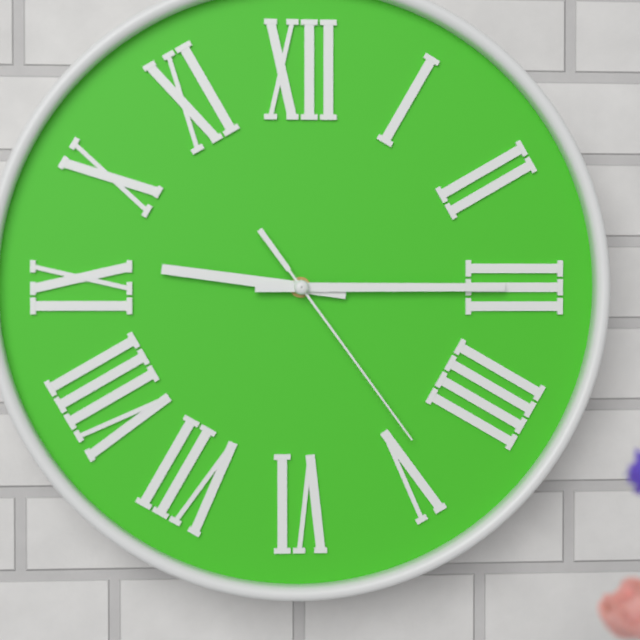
9:15:24
